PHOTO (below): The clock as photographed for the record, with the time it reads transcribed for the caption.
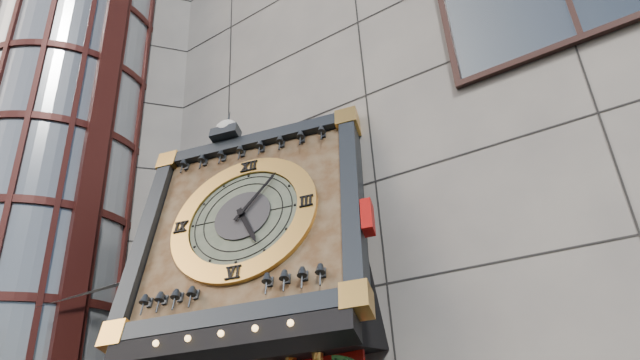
5:06
